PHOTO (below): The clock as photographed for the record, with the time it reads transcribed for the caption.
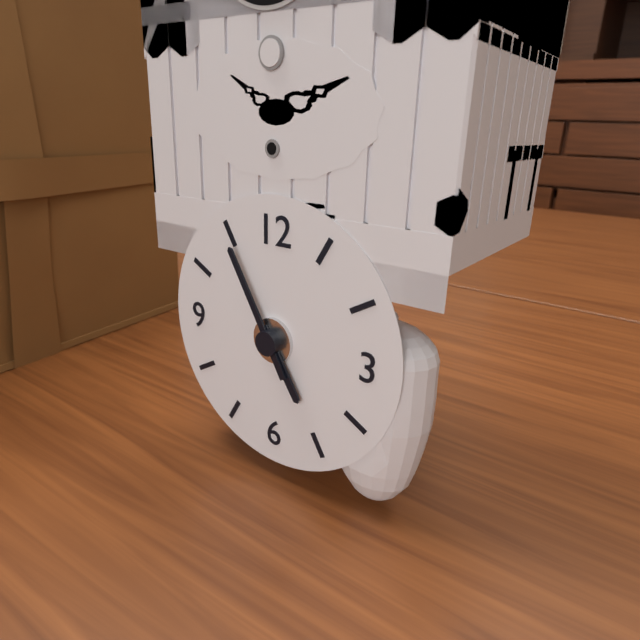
4:55
